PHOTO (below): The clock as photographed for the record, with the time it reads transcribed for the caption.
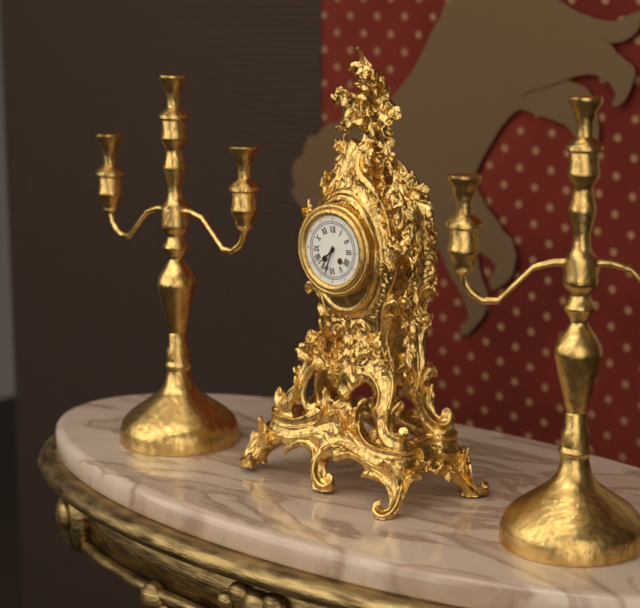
7:33
